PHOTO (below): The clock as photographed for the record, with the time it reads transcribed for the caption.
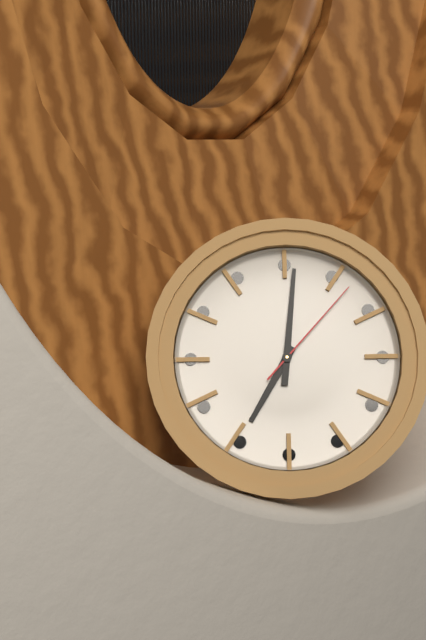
7:01:07
